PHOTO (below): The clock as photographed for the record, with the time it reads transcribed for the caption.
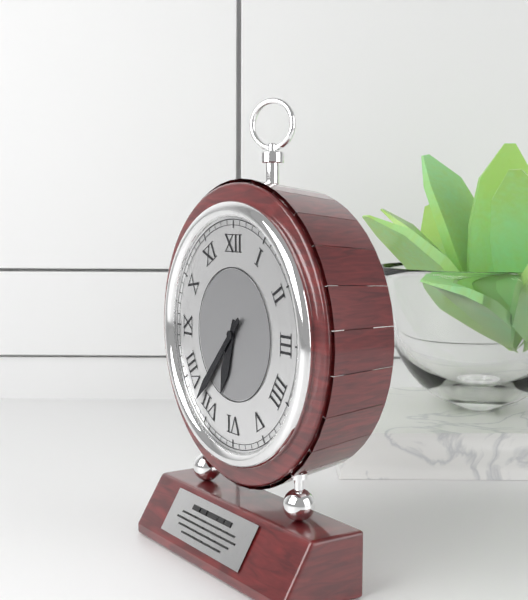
6:37
